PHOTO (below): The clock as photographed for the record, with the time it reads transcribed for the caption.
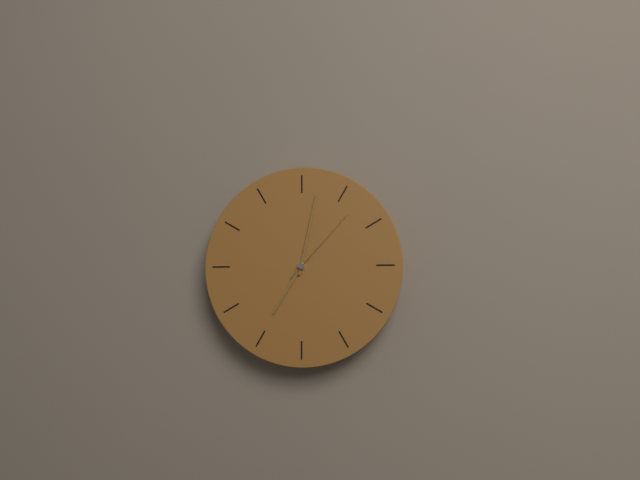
7:02:07
